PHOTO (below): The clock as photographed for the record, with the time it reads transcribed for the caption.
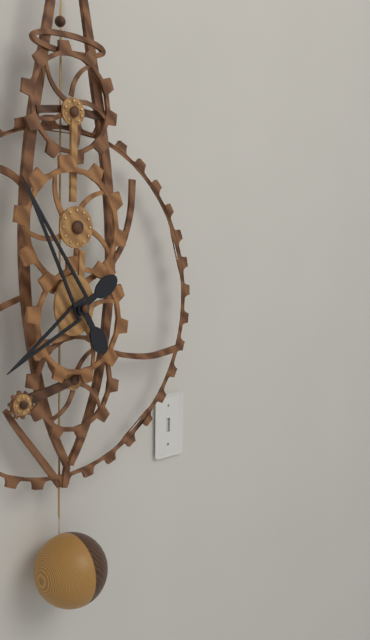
7:55
